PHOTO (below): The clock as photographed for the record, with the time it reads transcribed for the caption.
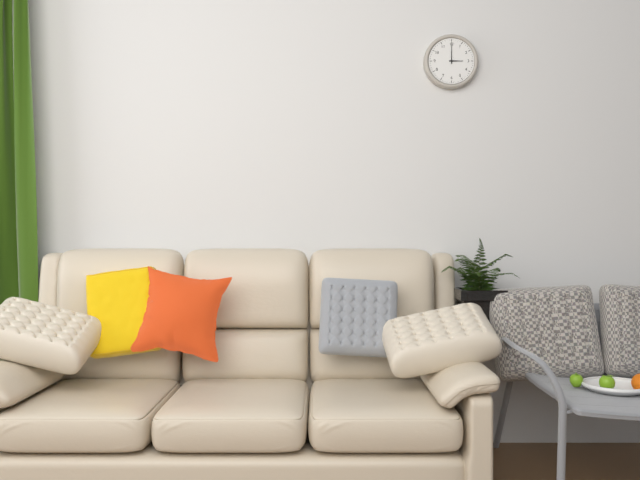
3:00
